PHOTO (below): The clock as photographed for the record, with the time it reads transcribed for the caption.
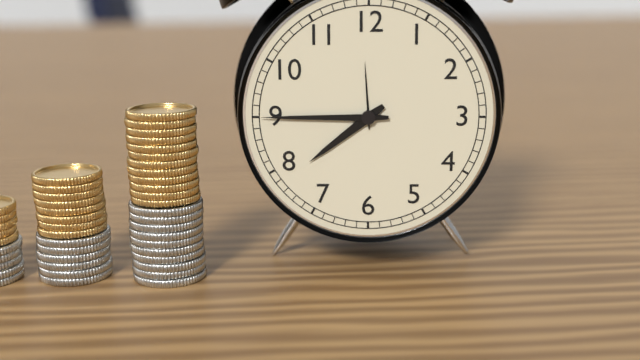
7:45
